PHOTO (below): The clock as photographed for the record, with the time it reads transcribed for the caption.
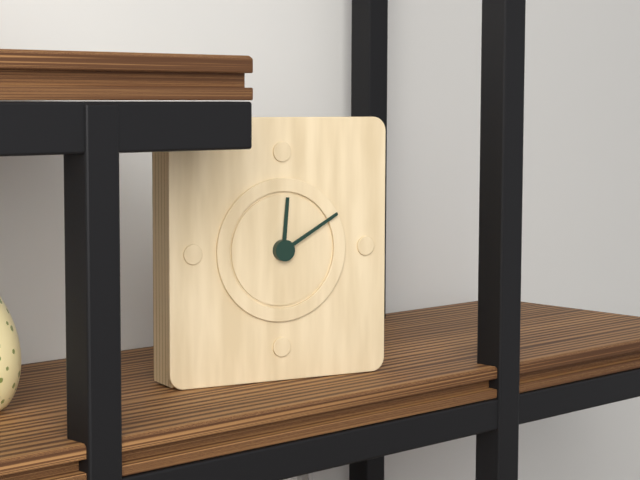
12:10
